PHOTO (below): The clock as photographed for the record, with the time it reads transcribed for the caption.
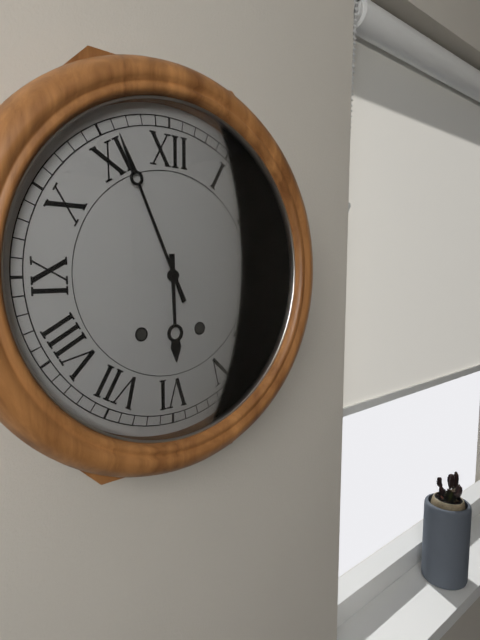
5:56
